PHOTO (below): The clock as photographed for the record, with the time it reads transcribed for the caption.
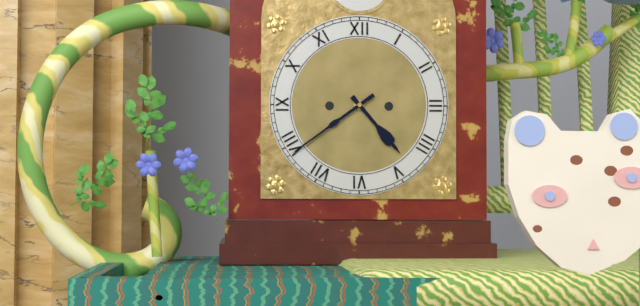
4:39
